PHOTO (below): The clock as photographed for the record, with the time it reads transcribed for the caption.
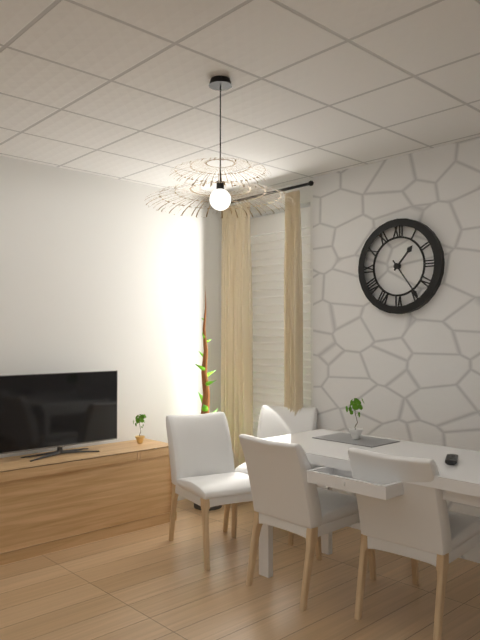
1:24
